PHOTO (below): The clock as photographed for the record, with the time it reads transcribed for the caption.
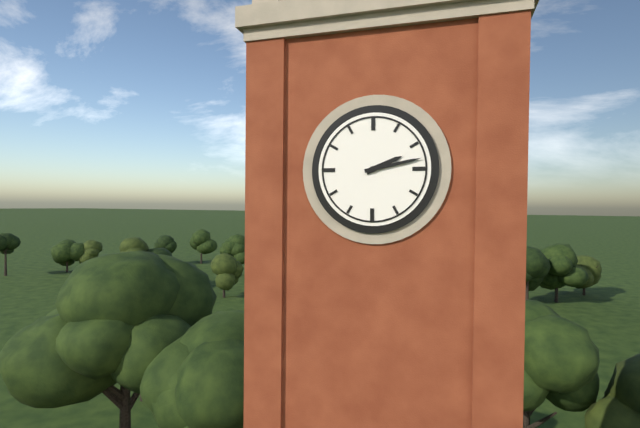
2:13
